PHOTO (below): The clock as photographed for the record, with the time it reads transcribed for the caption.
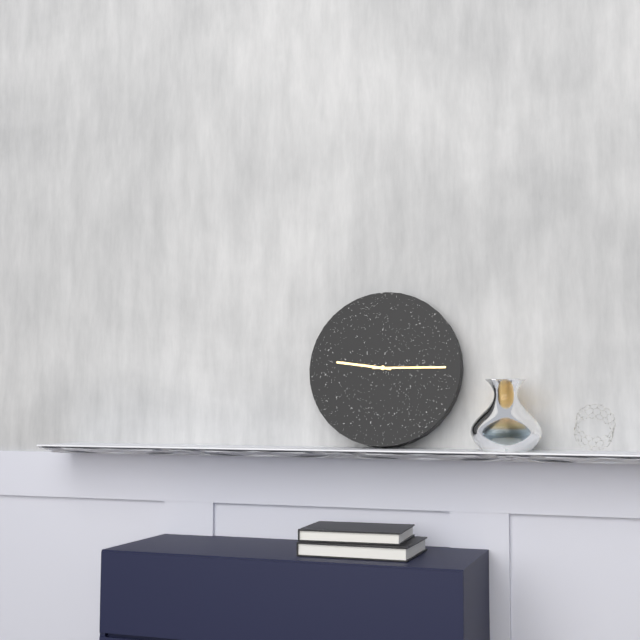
9:15
